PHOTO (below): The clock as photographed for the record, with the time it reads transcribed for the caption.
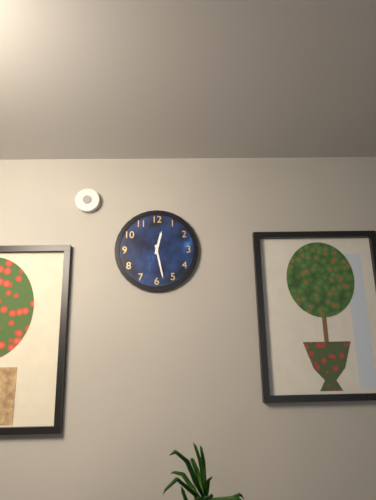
12:28
